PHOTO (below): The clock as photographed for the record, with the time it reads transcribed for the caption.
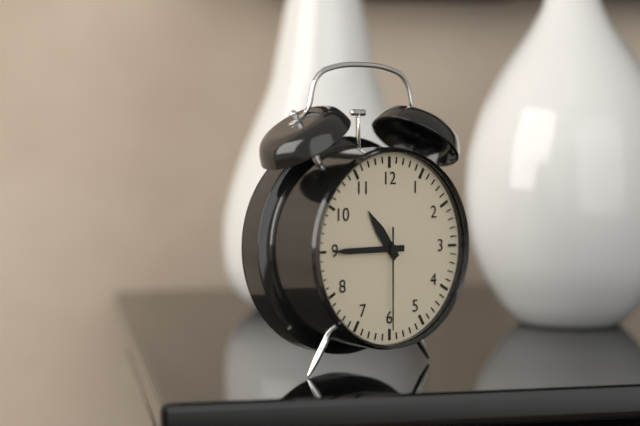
10:45:30
